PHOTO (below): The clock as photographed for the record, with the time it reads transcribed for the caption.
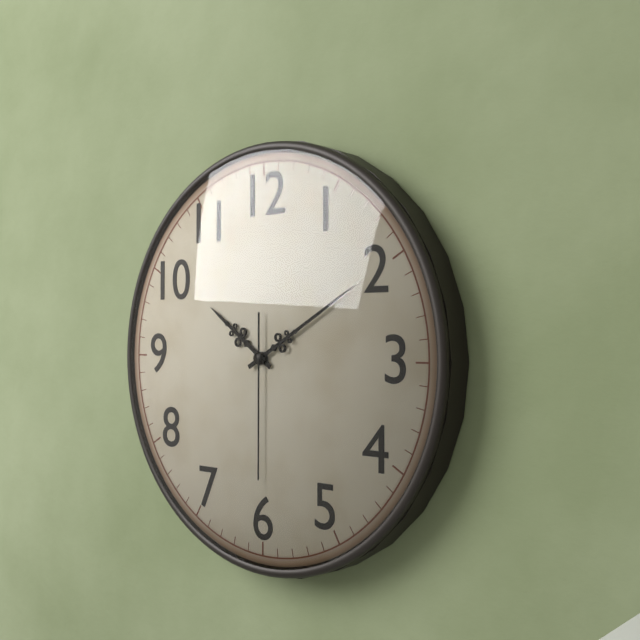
10:10:30
